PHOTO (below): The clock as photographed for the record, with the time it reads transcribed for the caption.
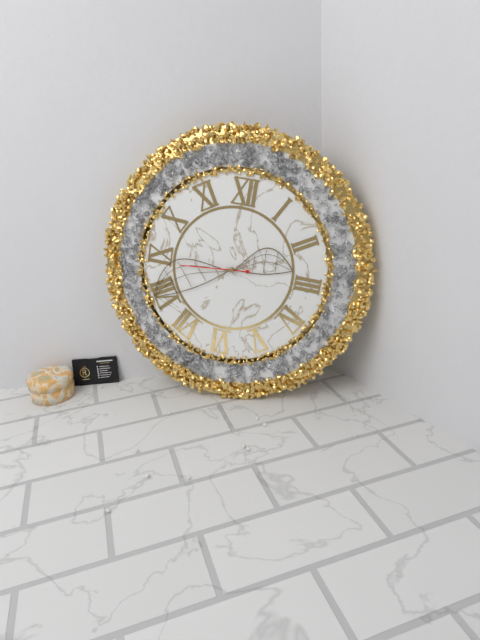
2:40:44
